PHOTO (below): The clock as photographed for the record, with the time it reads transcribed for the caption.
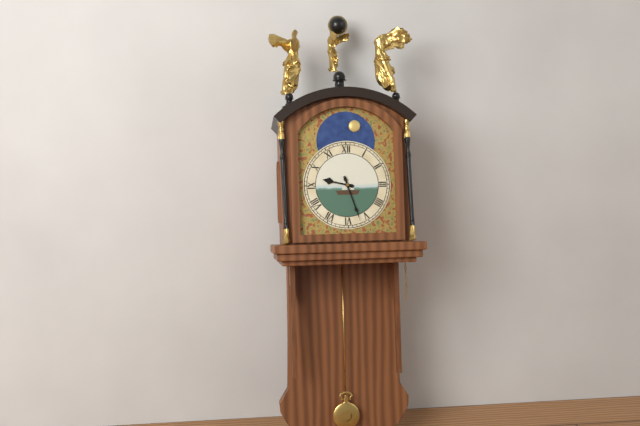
9:27
